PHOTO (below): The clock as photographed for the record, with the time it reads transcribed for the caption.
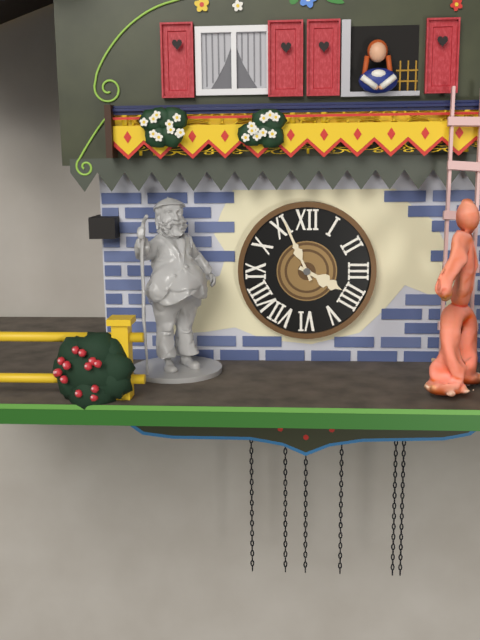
3:56
